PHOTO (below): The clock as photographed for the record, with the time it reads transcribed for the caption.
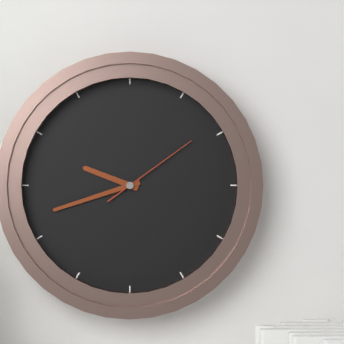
9:42:09
